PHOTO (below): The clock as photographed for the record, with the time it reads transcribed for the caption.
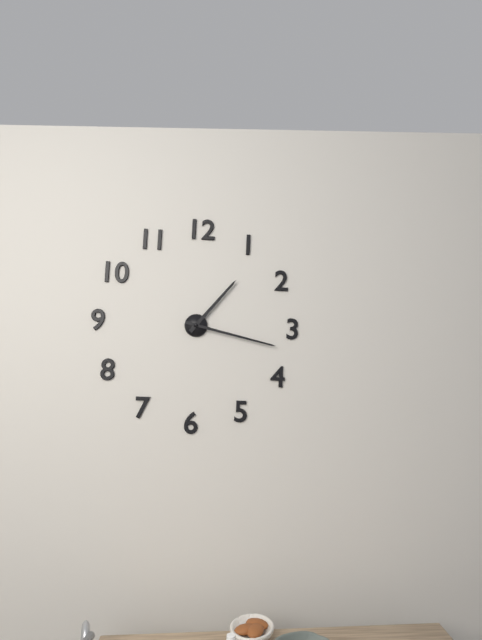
1:17
